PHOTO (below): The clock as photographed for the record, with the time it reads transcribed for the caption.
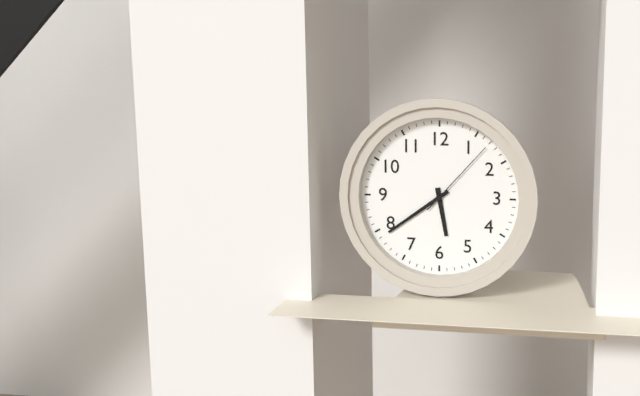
5:39:07
